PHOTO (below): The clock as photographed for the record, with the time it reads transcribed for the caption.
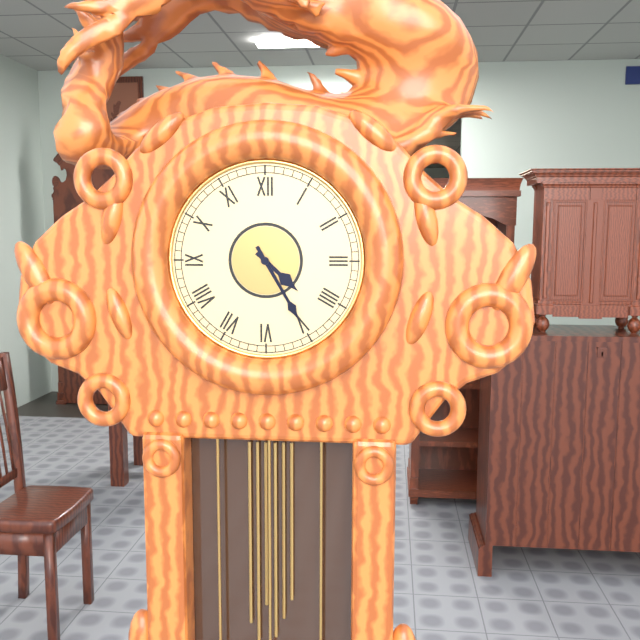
4:25
